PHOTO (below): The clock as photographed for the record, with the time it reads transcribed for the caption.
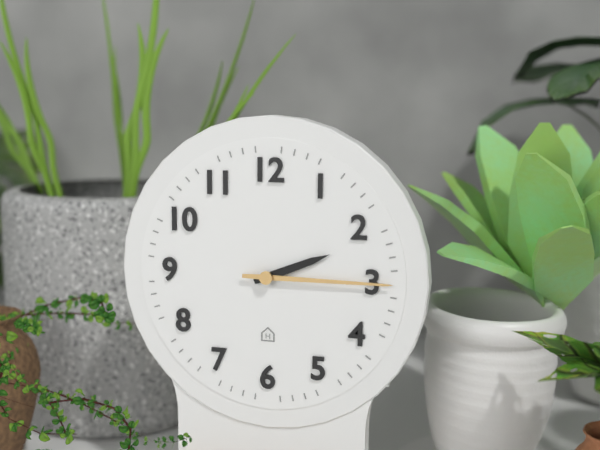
2:15
